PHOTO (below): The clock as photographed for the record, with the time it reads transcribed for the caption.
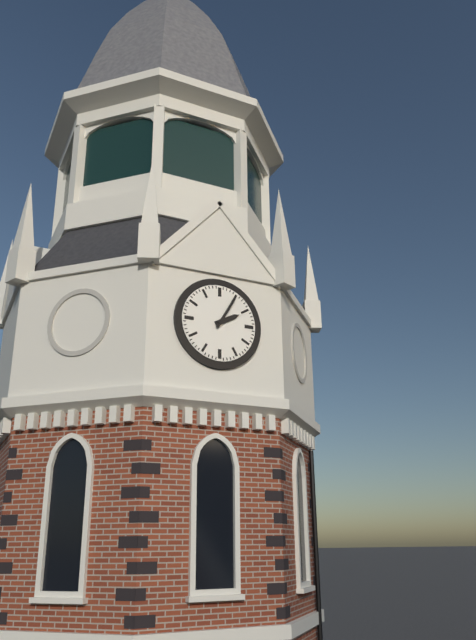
2:05
